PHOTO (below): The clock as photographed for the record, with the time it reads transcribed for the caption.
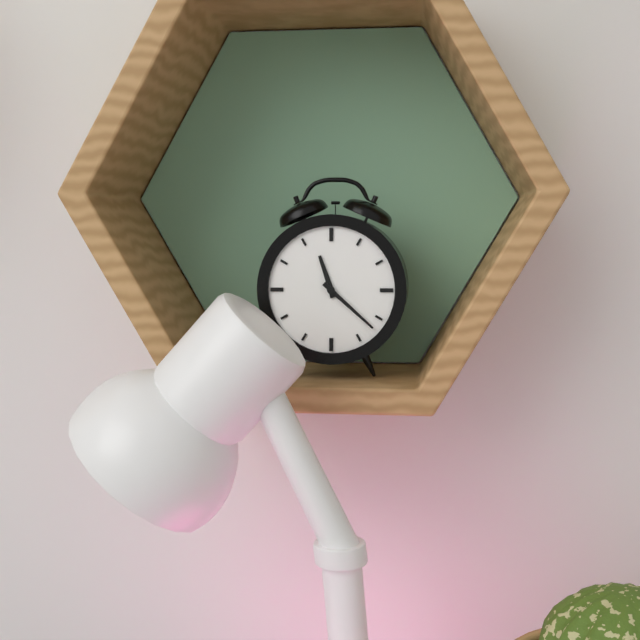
11:22
